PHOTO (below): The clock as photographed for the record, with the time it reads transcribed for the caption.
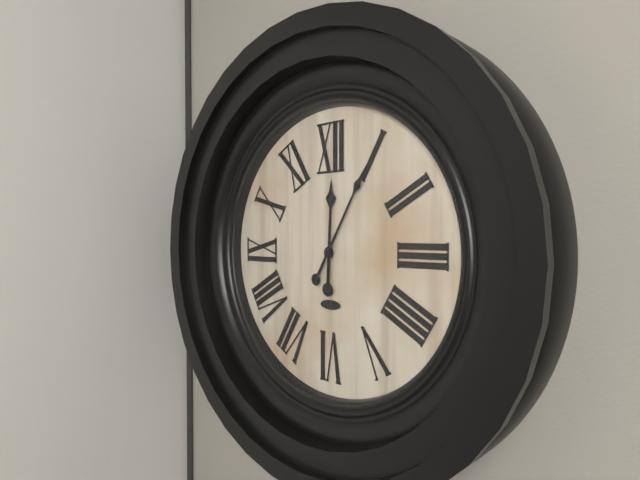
12:05
